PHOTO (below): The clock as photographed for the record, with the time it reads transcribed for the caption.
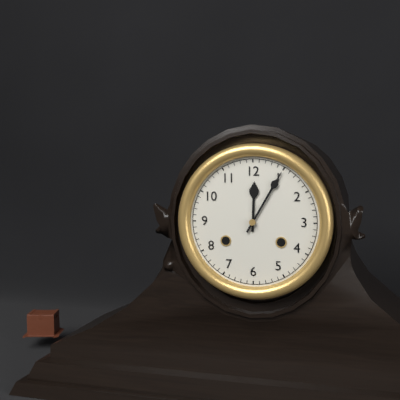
12:05
